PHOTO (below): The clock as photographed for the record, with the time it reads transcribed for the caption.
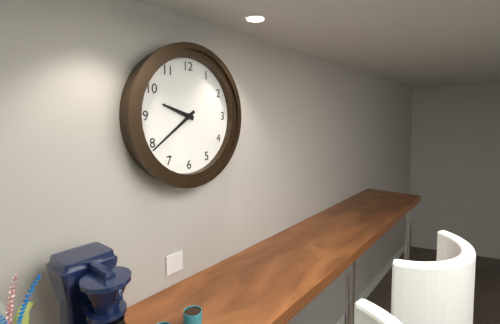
9:39
